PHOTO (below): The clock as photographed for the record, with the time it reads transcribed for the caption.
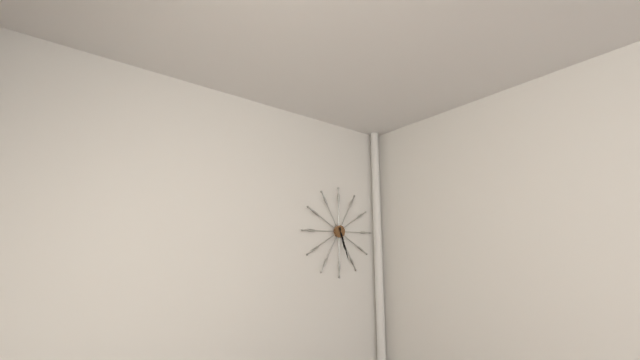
5:27
